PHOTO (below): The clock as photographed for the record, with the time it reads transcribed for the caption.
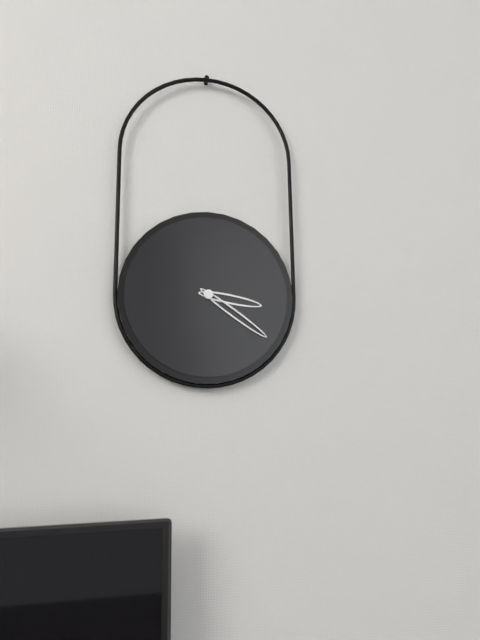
3:21
